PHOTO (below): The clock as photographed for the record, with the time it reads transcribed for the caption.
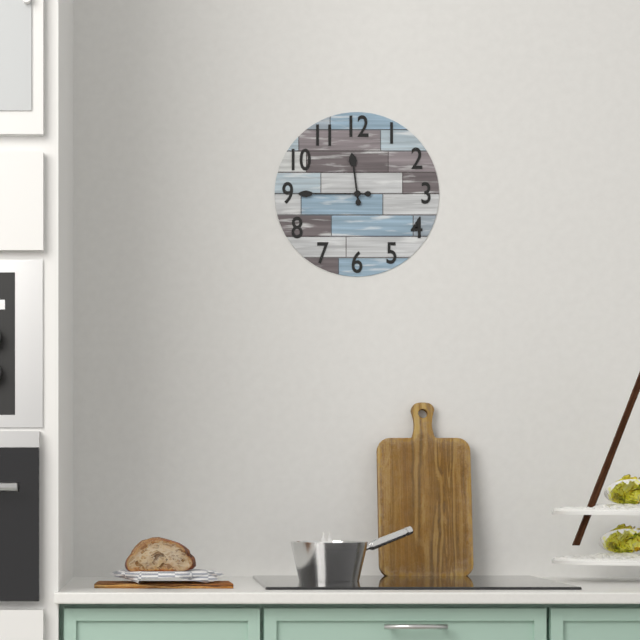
11:45
